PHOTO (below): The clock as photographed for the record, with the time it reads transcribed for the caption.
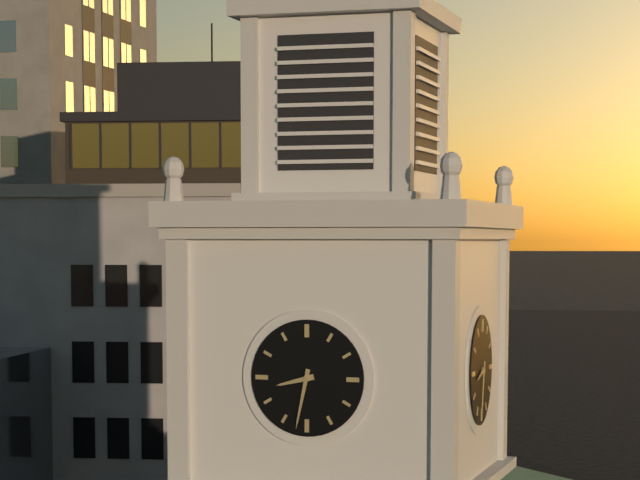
8:32
